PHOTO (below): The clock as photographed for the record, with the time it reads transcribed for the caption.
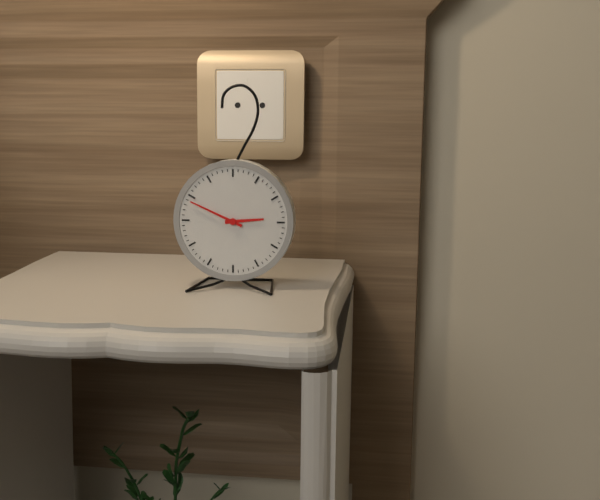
2:49
